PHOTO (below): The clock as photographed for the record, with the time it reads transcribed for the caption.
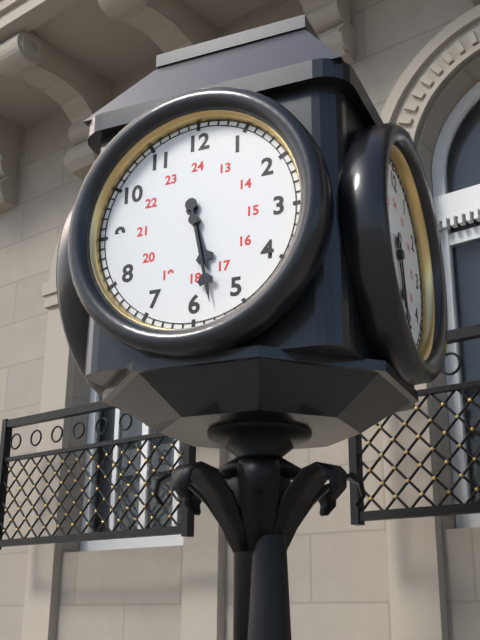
5:28
